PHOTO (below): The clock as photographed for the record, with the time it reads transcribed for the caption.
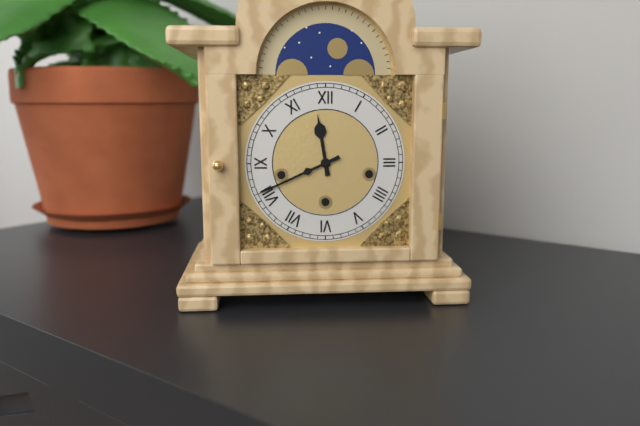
11:41
